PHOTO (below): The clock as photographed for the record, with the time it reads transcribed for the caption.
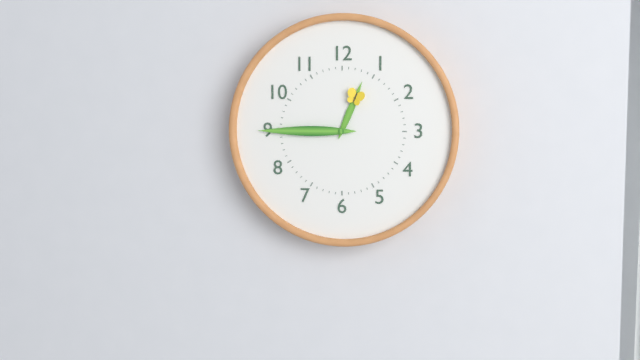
12:45
